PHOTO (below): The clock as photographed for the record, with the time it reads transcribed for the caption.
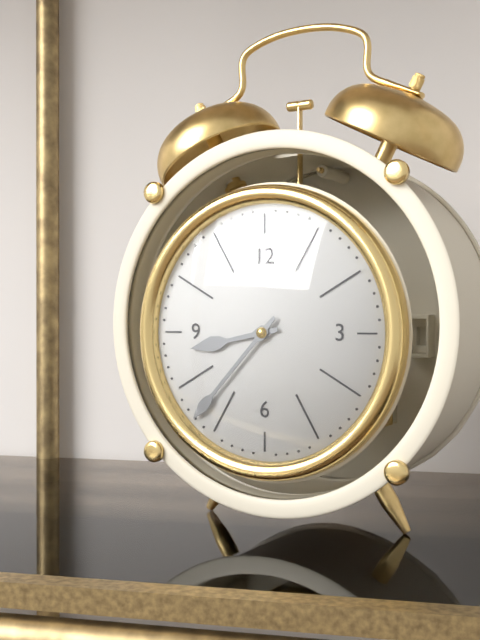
8:37
